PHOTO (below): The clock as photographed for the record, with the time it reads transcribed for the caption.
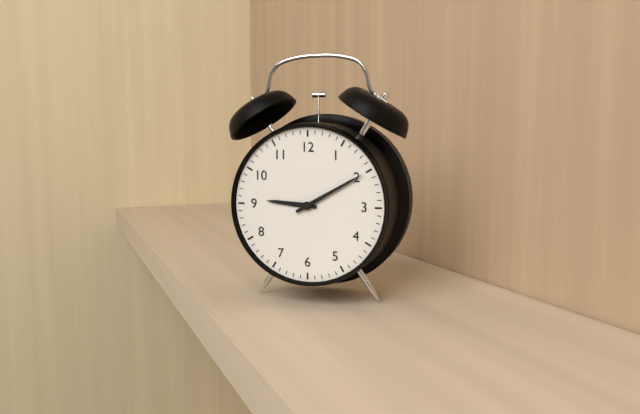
9:10
